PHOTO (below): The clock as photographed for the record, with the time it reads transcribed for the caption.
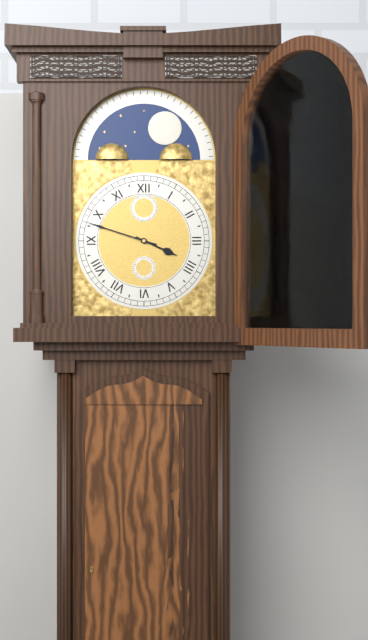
3:48
